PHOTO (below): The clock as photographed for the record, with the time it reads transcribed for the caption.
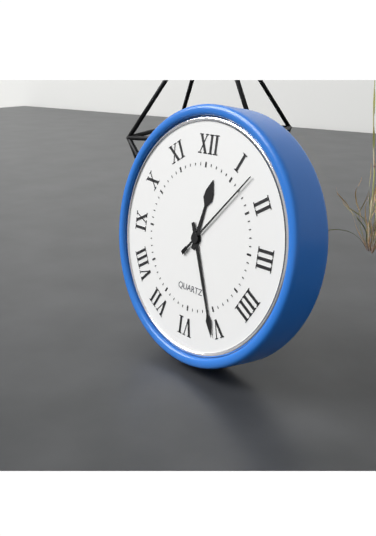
12:26:07
